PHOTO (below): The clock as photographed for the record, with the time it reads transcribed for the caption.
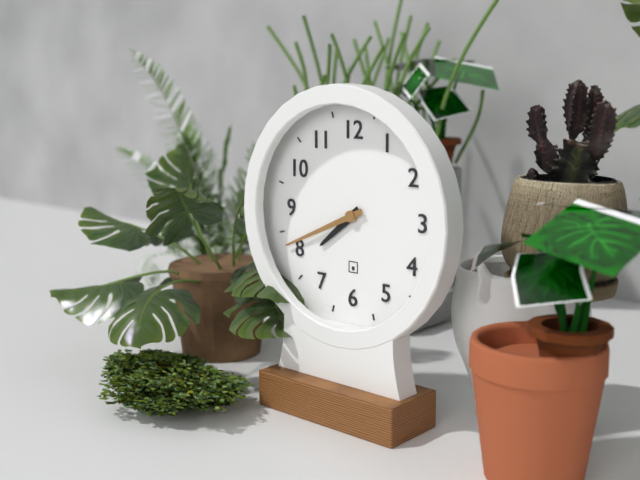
7:41
